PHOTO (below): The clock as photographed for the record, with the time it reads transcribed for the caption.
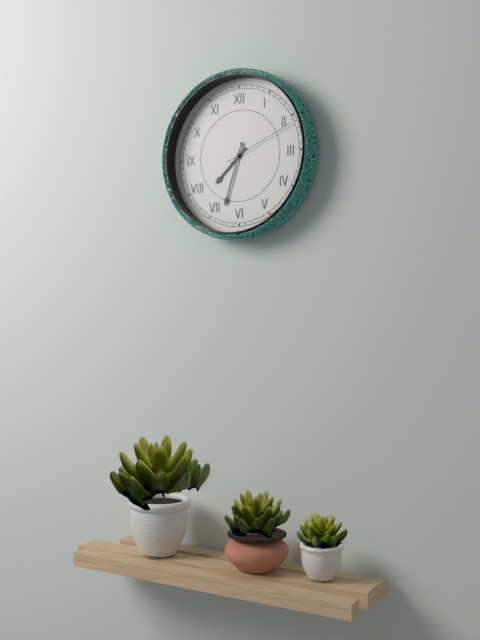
7:33:11
